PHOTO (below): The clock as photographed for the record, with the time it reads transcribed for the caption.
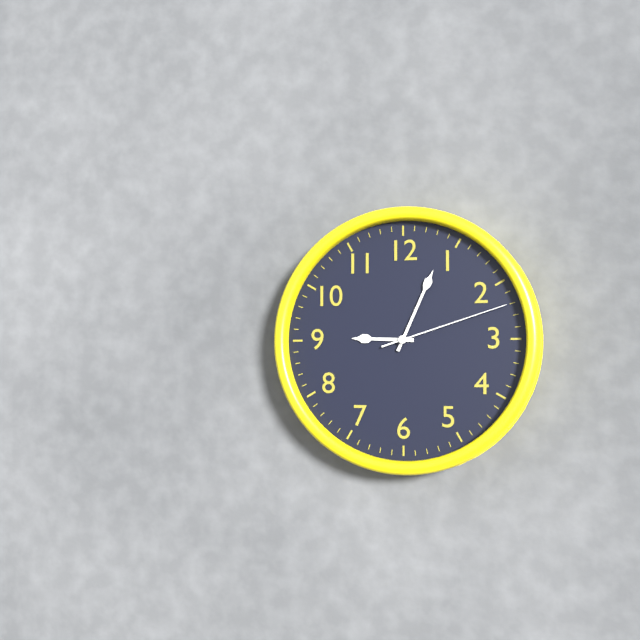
9:04:12
